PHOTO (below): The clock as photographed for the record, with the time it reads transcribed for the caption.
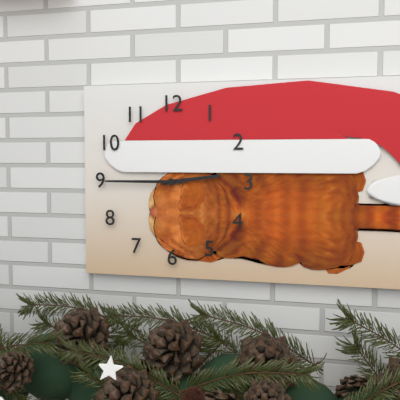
2:45
